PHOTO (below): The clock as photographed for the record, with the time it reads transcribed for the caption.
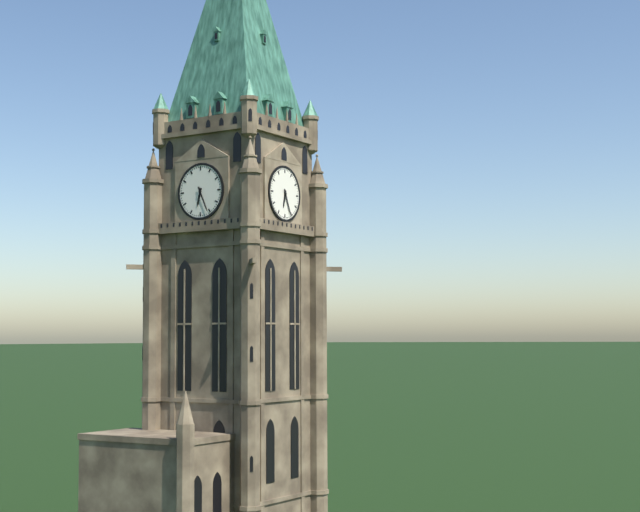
6:26
